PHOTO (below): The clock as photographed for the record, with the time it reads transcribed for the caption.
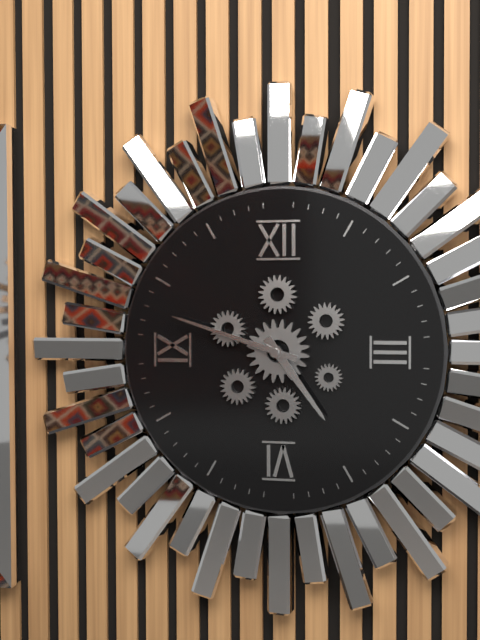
4:48
